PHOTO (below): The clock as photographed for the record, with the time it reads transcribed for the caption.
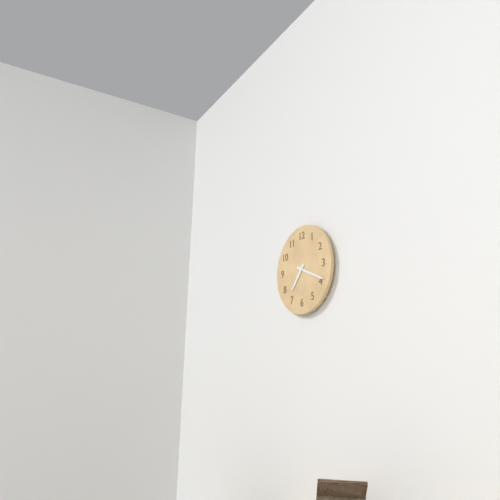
7:19
